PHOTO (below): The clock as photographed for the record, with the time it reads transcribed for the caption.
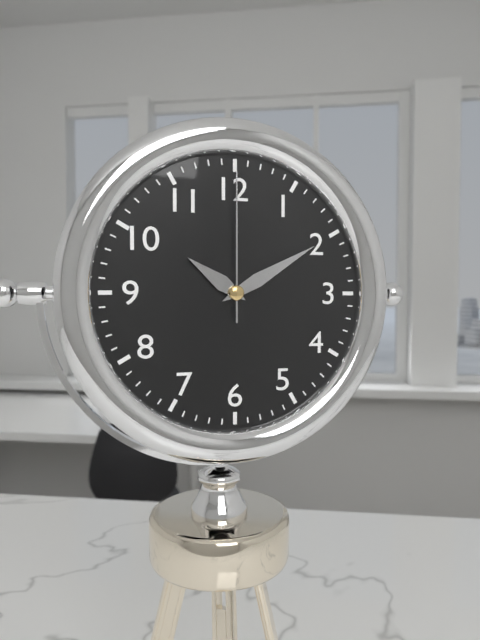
10:10:00
